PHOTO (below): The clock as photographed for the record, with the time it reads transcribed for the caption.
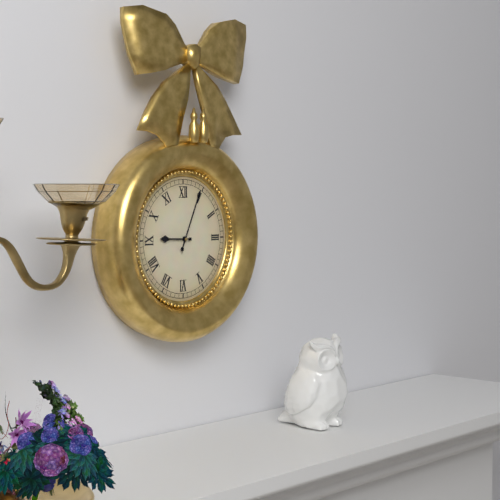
9:04
